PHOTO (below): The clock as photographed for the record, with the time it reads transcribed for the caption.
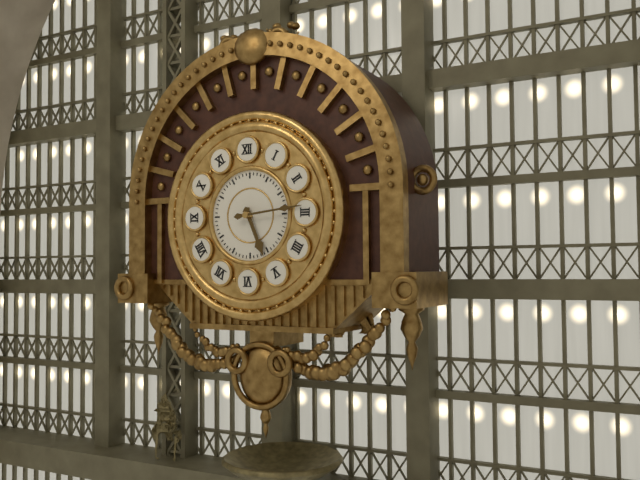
5:14
